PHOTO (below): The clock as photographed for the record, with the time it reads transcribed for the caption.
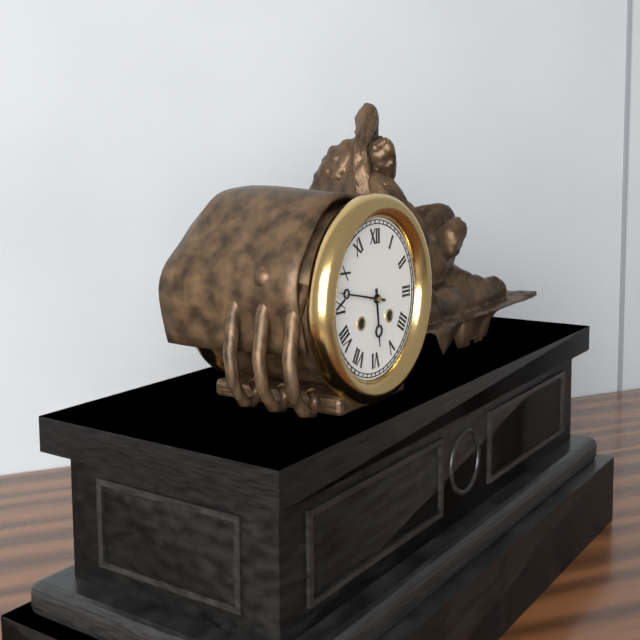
5:47
